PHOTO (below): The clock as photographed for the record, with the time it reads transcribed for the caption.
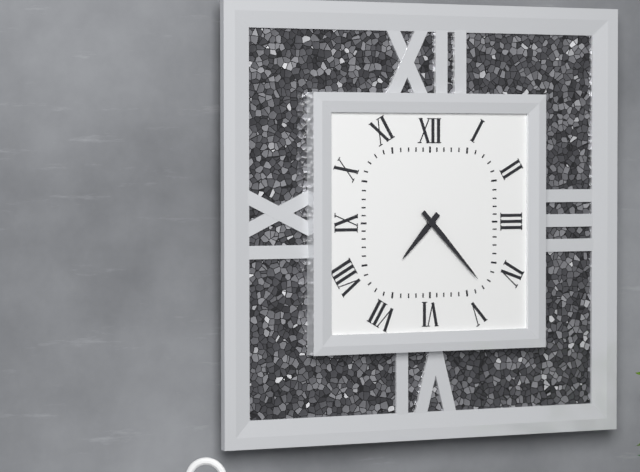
7:23
